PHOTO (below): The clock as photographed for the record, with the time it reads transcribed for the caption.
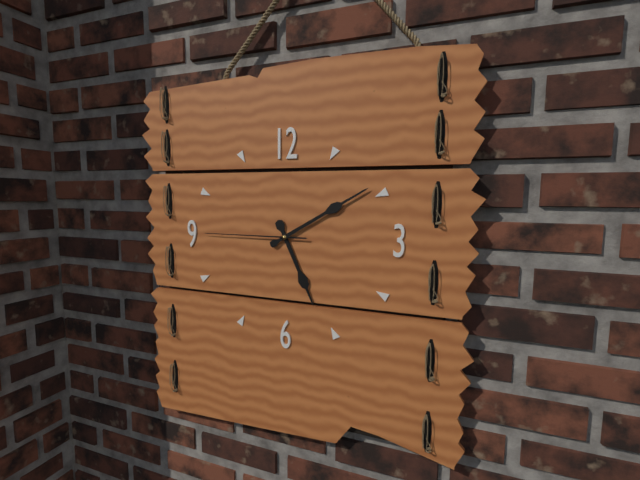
5:10:45
